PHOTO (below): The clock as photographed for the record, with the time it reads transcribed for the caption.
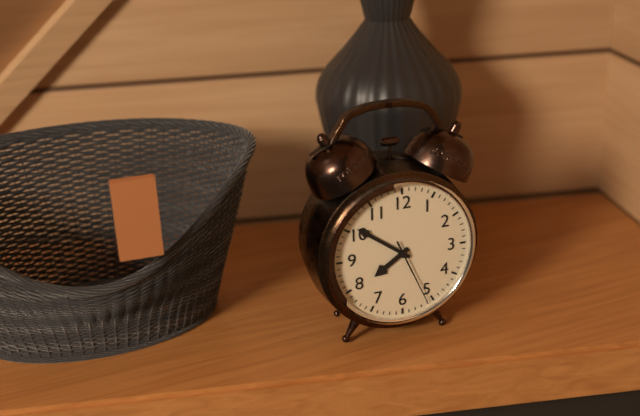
7:51:26
